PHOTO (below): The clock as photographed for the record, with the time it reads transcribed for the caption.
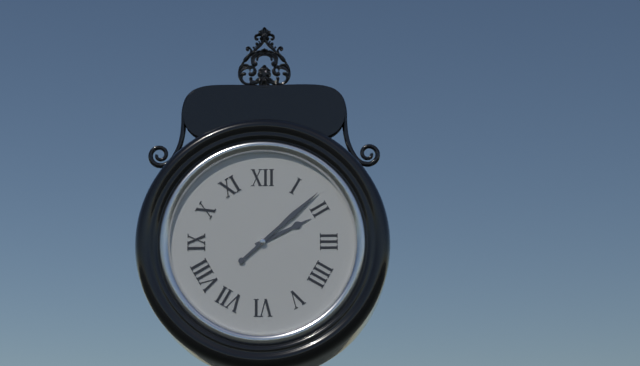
2:08
